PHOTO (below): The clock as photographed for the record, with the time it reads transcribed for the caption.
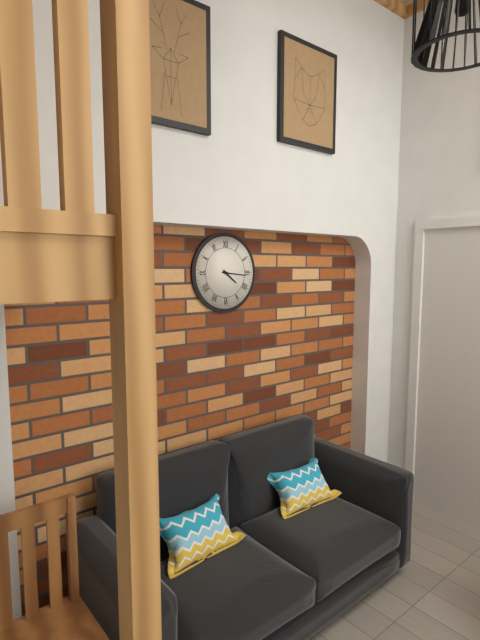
4:16
